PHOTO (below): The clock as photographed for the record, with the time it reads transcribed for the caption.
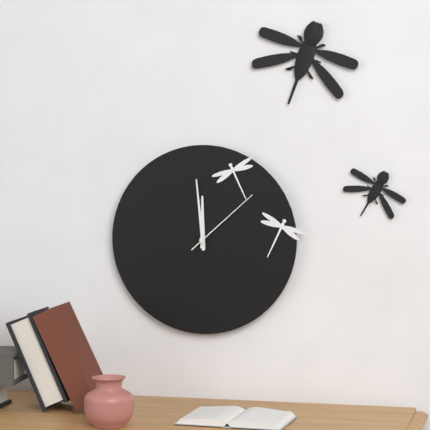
11:59:08
